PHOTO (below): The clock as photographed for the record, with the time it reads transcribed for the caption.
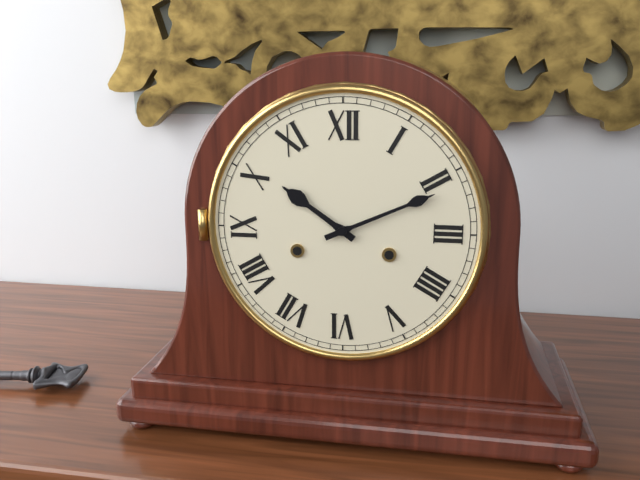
10:11
